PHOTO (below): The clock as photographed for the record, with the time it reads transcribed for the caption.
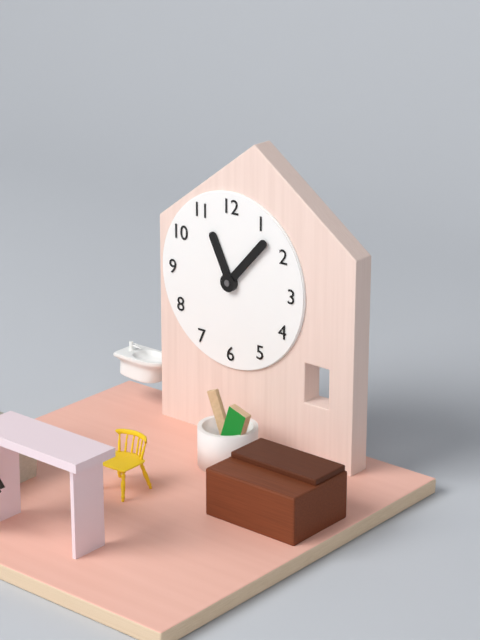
11:07
